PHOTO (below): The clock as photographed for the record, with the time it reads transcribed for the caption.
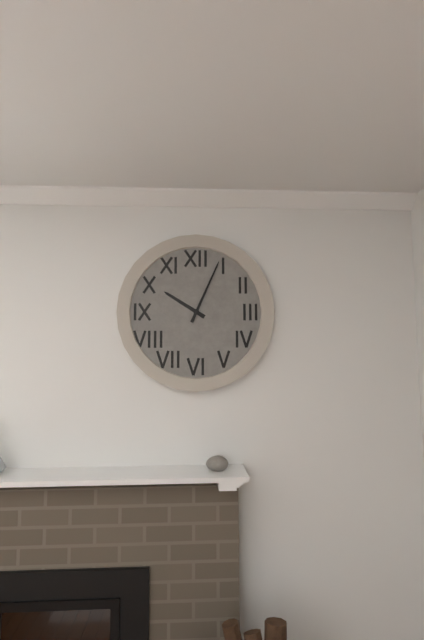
10:04
